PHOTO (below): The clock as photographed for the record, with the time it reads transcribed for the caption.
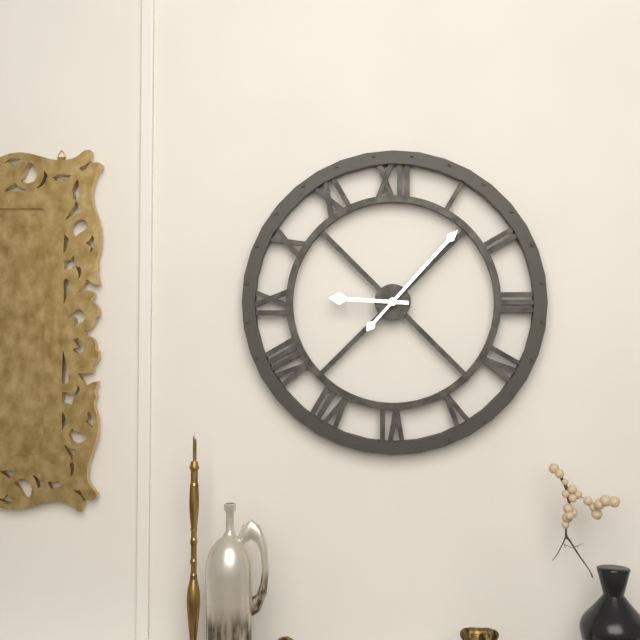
9:07
